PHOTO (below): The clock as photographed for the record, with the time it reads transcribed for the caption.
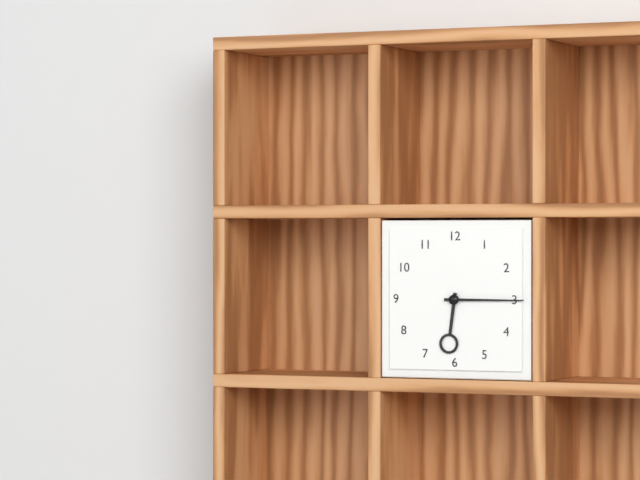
6:15
